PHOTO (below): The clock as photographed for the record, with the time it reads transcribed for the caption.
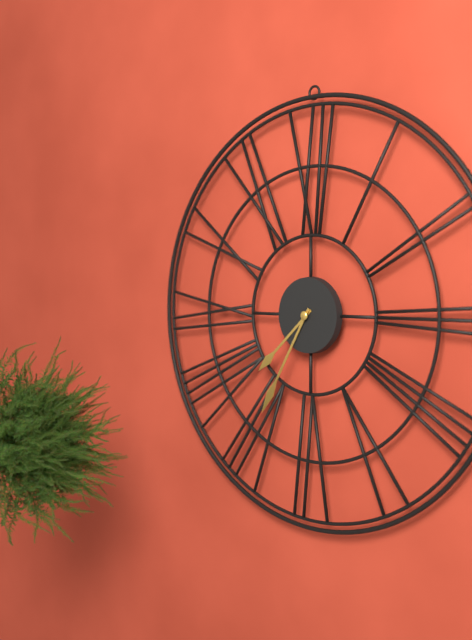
7:35
